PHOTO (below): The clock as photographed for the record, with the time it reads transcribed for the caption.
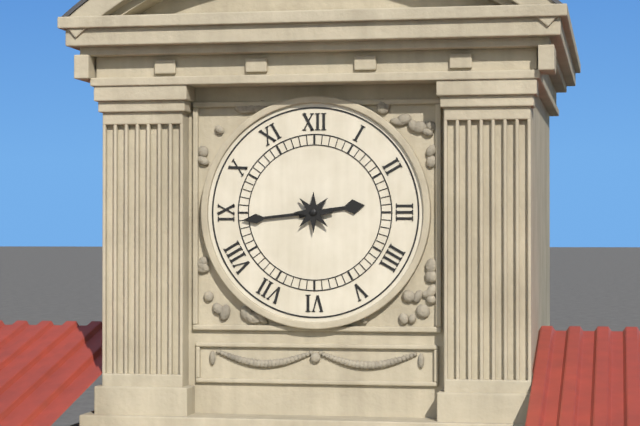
2:44
